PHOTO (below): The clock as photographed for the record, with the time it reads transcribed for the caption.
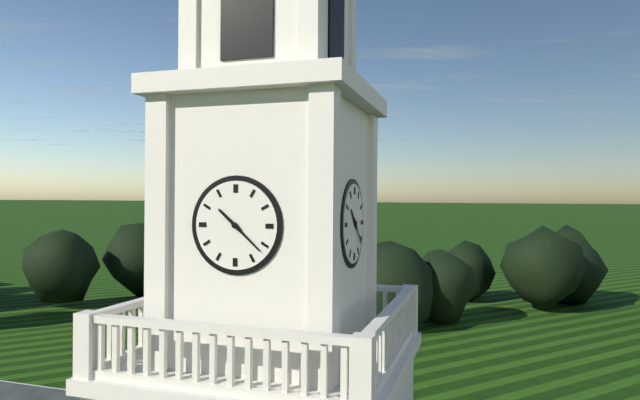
10:22
